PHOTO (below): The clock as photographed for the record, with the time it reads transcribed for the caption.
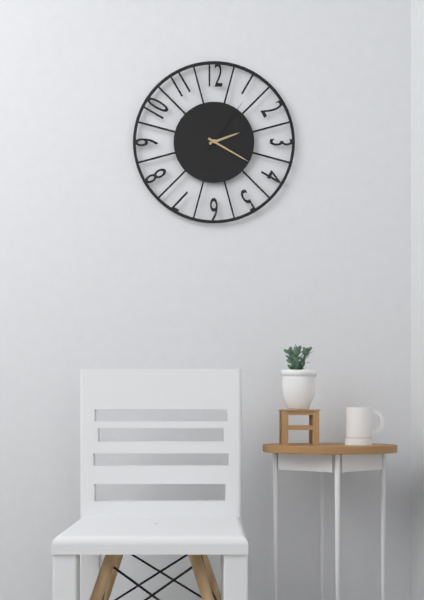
2:20:06
